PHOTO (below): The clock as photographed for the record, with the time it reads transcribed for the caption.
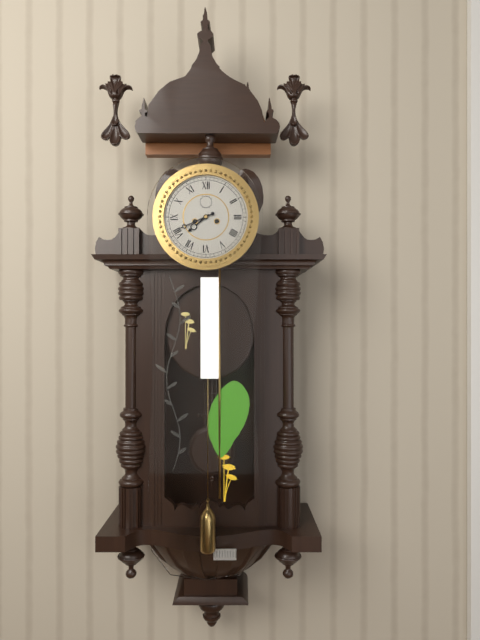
7:41
